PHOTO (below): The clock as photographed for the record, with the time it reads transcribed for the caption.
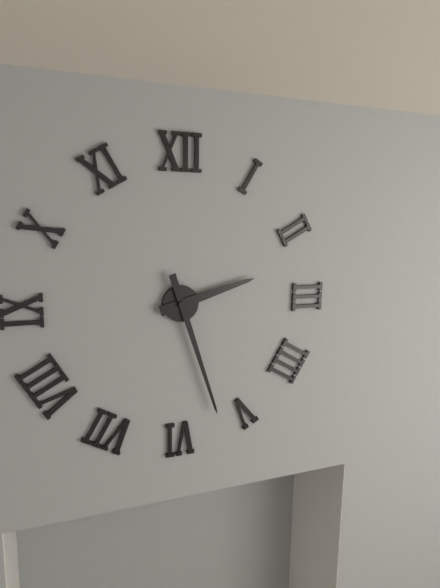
2:27
